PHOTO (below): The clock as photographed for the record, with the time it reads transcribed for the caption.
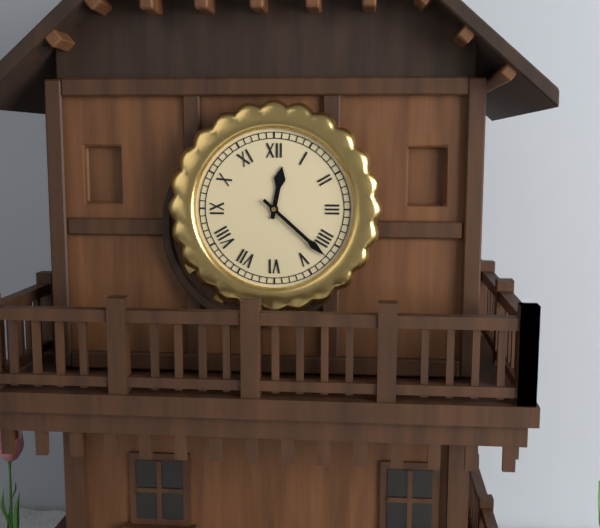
12:22
